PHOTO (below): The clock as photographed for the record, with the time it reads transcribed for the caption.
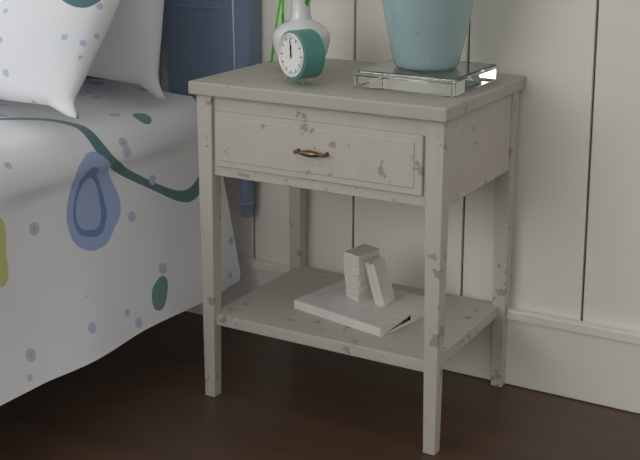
11:59
